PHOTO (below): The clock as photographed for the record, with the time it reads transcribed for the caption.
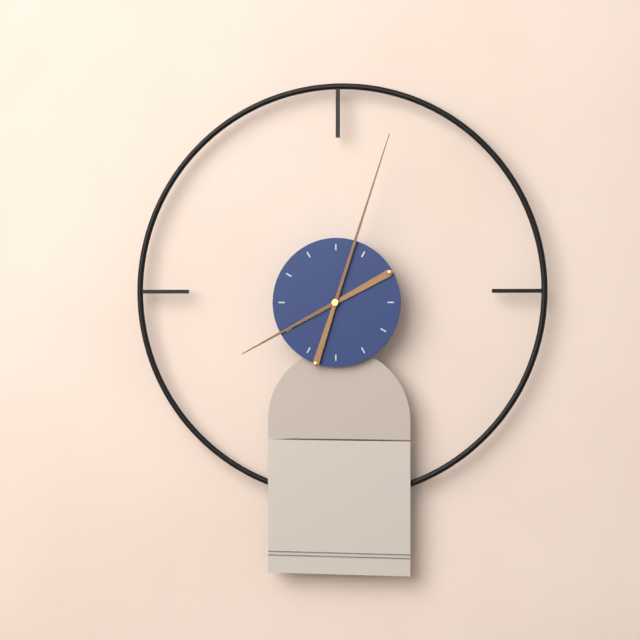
8:03
